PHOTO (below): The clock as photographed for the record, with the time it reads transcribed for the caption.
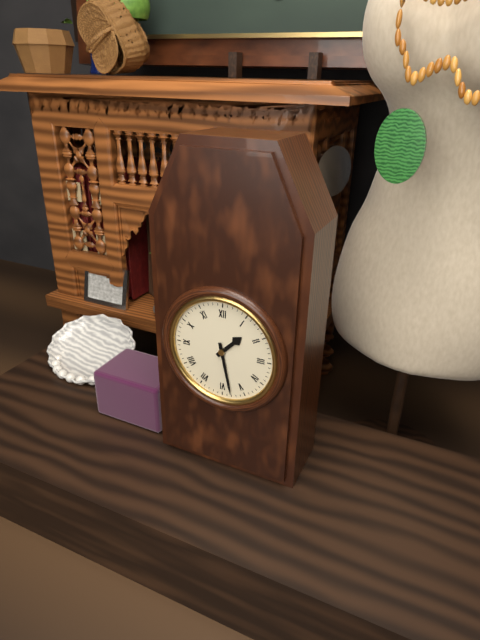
1:28
